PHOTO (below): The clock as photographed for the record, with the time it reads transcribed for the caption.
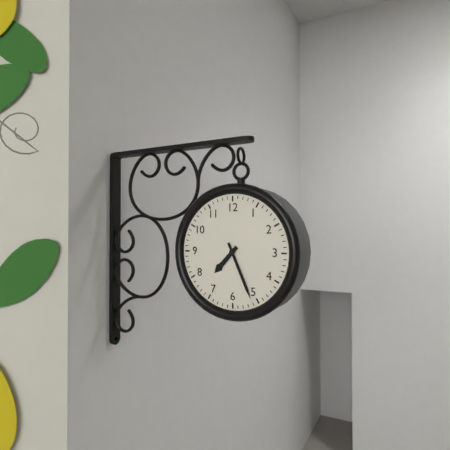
7:26
